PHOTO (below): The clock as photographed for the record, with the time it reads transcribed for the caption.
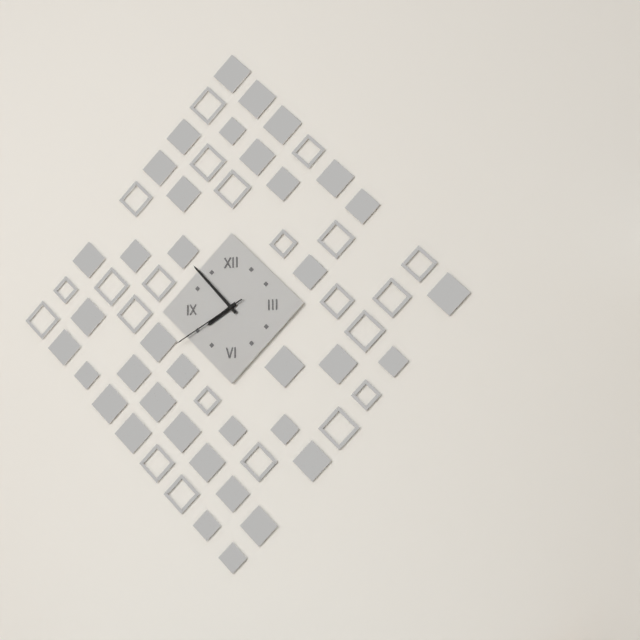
7:53:40
